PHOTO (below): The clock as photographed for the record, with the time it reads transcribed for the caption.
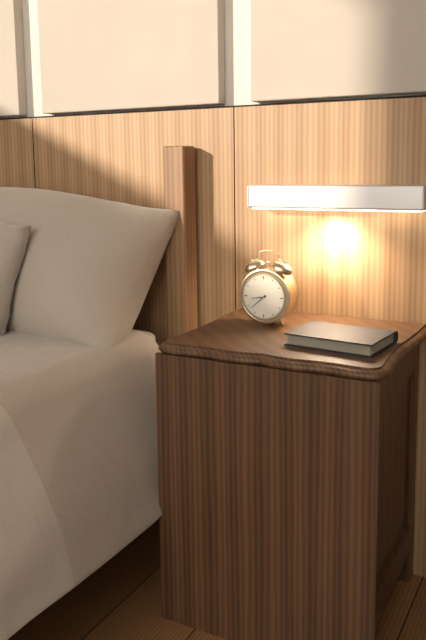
8:38
